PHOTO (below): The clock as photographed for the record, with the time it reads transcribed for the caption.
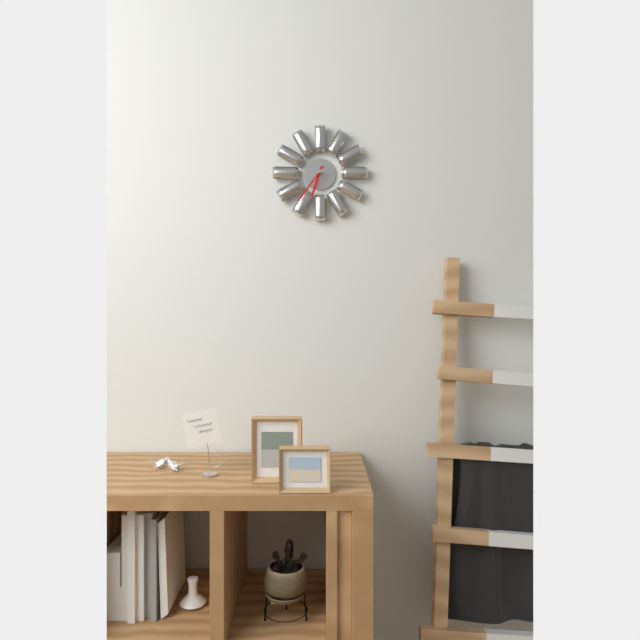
6:36
